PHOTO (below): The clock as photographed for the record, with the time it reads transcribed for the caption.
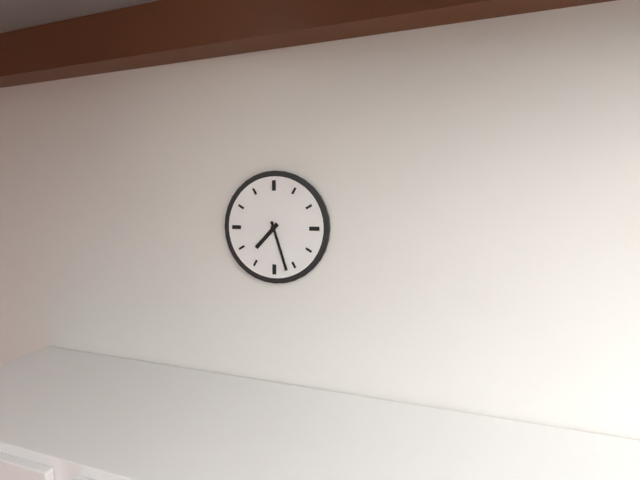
7:27
